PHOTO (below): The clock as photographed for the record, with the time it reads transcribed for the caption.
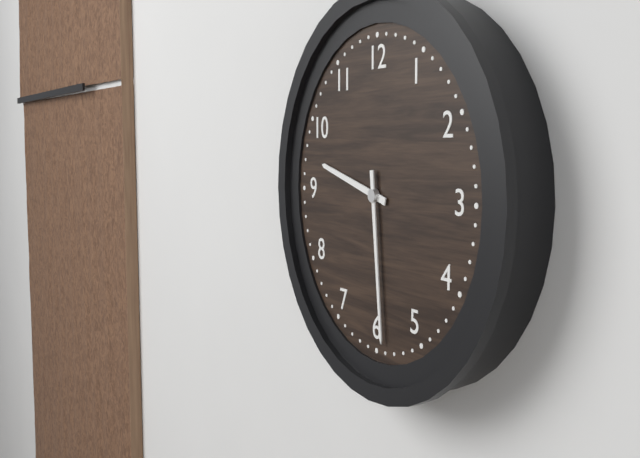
9:29
